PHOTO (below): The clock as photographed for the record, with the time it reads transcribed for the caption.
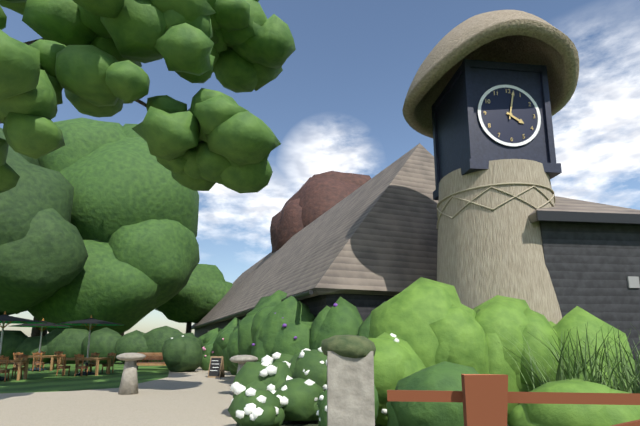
4:02
